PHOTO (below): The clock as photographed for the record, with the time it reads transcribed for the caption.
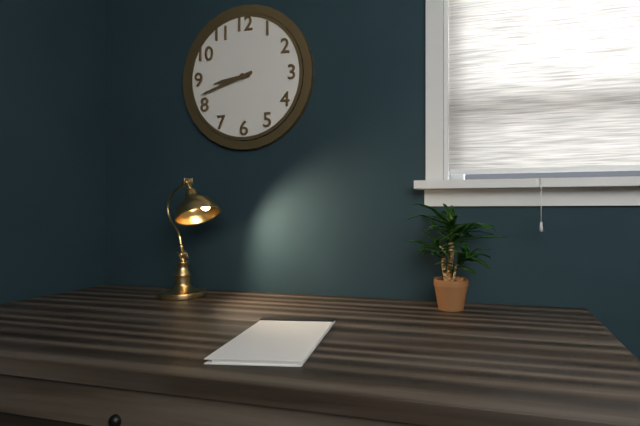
8:42
